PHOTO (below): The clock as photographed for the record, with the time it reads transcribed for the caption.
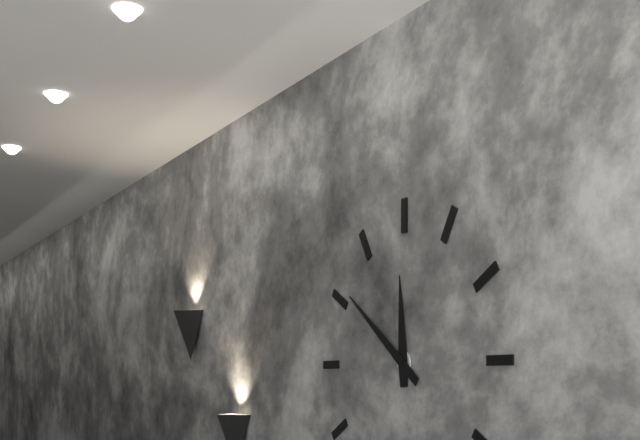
11:51
